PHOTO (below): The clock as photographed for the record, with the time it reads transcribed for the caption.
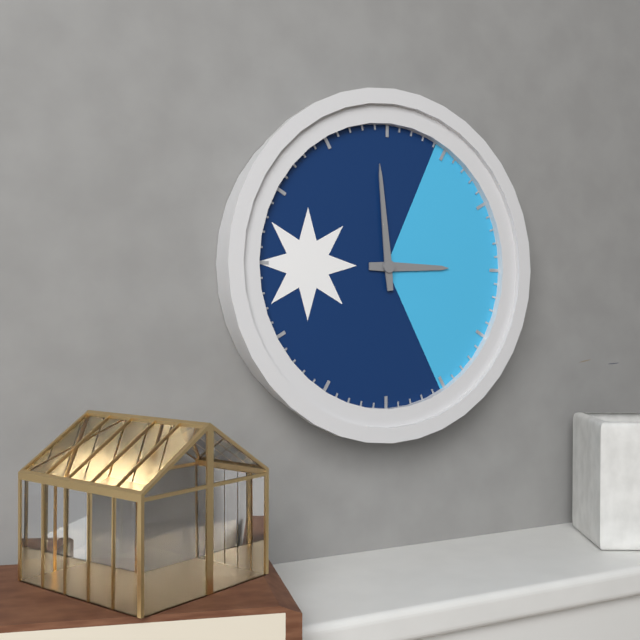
2:59
